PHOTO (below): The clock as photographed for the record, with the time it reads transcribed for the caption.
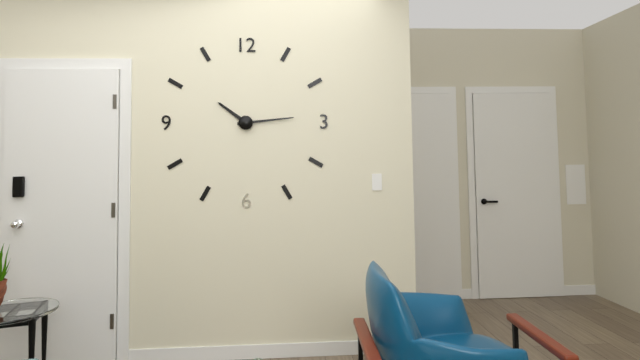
10:14
